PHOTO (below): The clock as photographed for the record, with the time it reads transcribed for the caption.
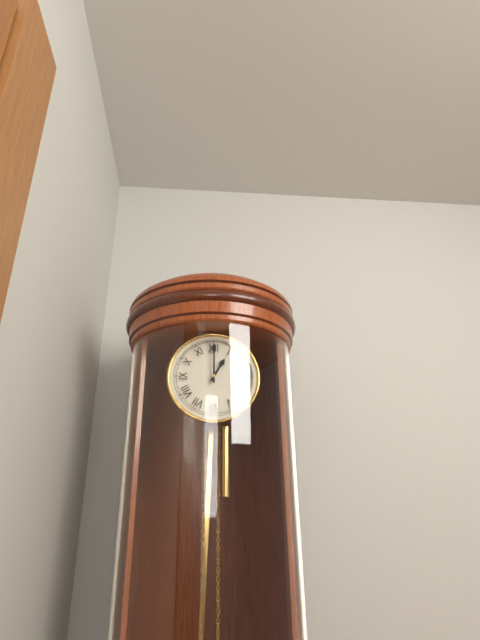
1:00
